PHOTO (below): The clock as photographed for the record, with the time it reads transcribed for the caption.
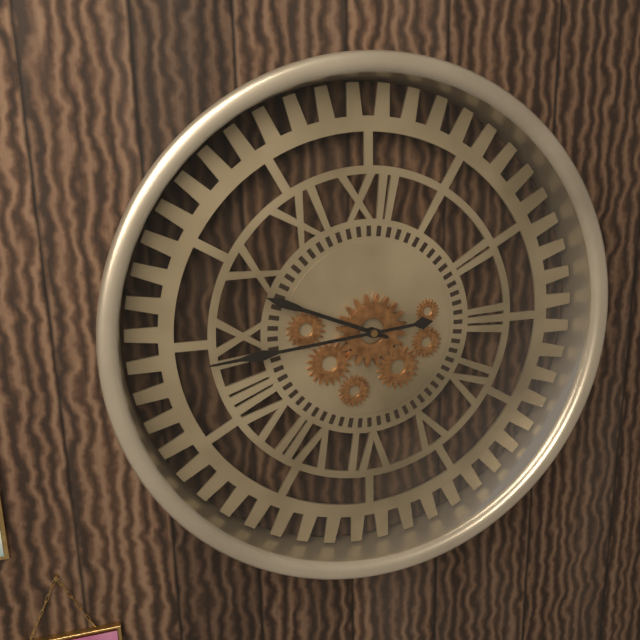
9:44
